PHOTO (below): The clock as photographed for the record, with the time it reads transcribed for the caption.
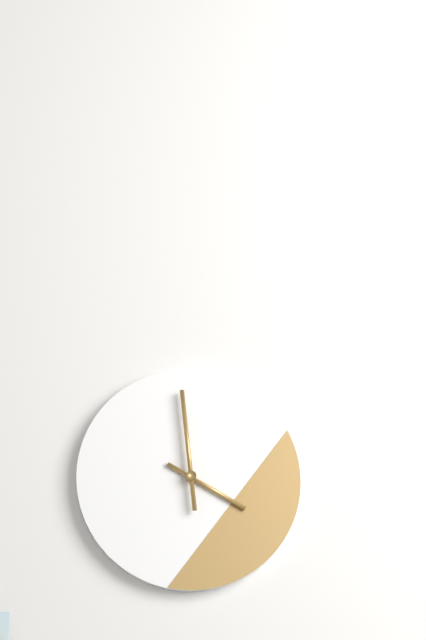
3:59
